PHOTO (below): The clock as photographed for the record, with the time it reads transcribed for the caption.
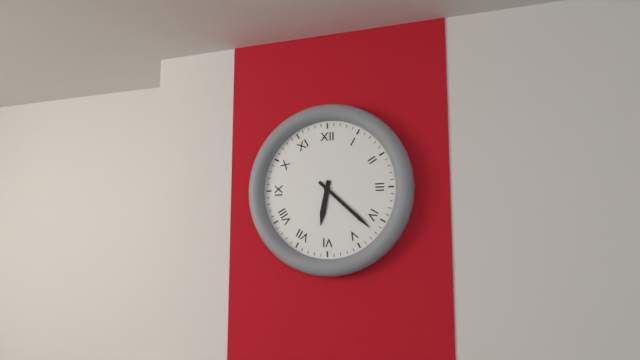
6:22
